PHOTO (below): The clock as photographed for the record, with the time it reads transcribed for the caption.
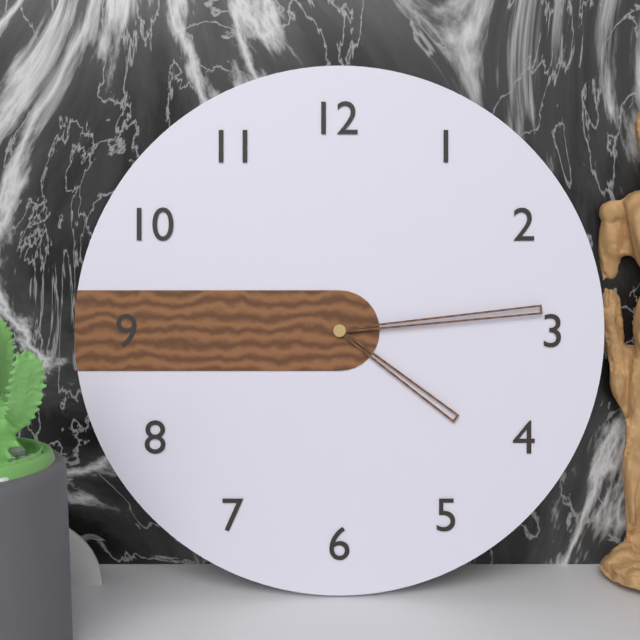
4:14
